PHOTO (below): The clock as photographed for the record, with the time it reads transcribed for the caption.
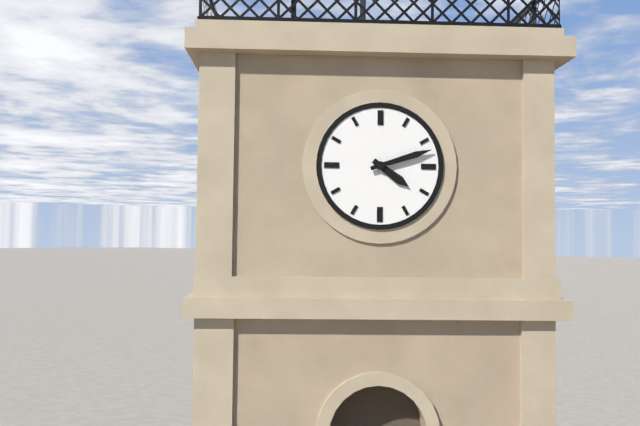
4:12
